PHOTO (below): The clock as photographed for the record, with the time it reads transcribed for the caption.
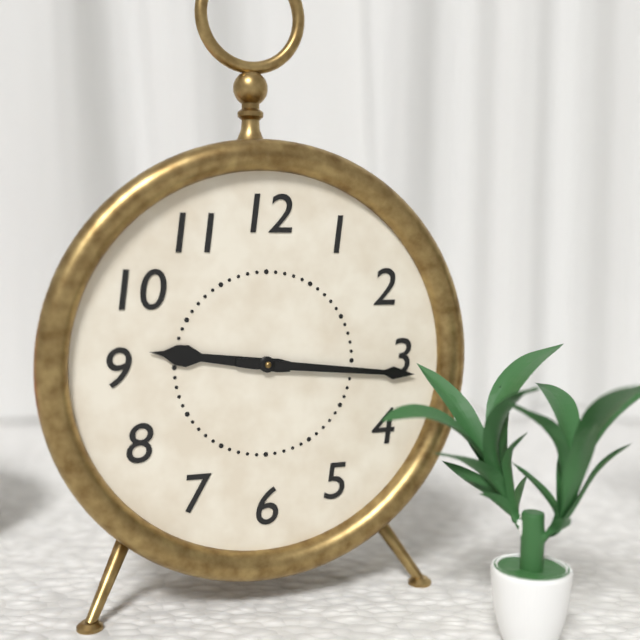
9:16
